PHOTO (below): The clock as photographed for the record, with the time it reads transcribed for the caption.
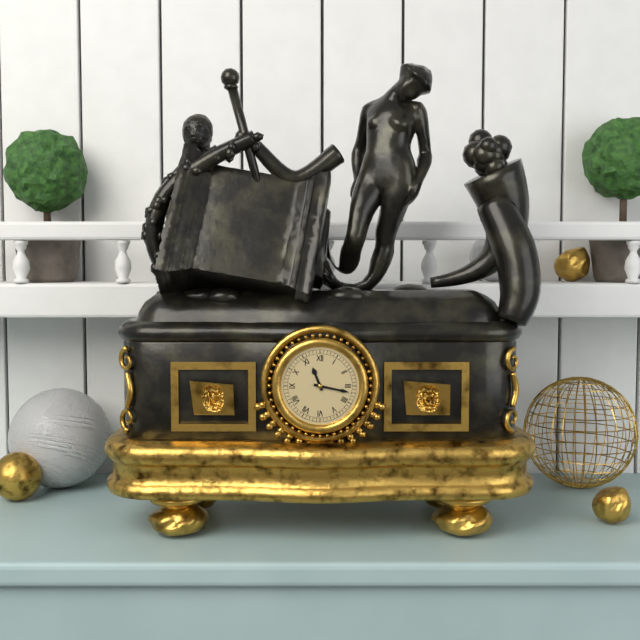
11:17
